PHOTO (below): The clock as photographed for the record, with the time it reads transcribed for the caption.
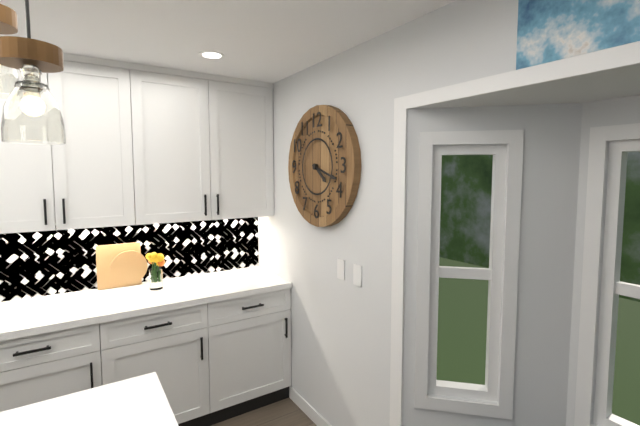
4:18
